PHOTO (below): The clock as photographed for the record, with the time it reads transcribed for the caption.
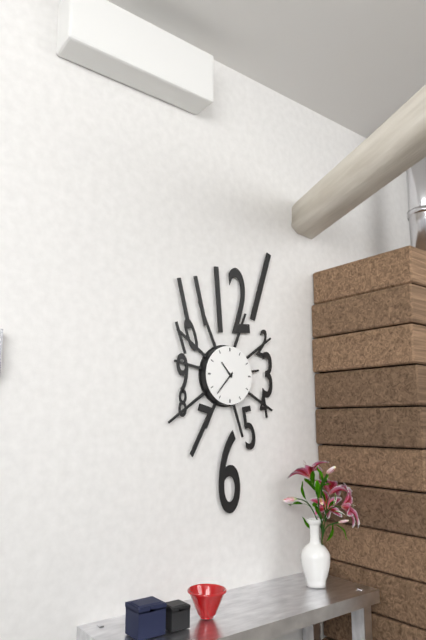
10:37
